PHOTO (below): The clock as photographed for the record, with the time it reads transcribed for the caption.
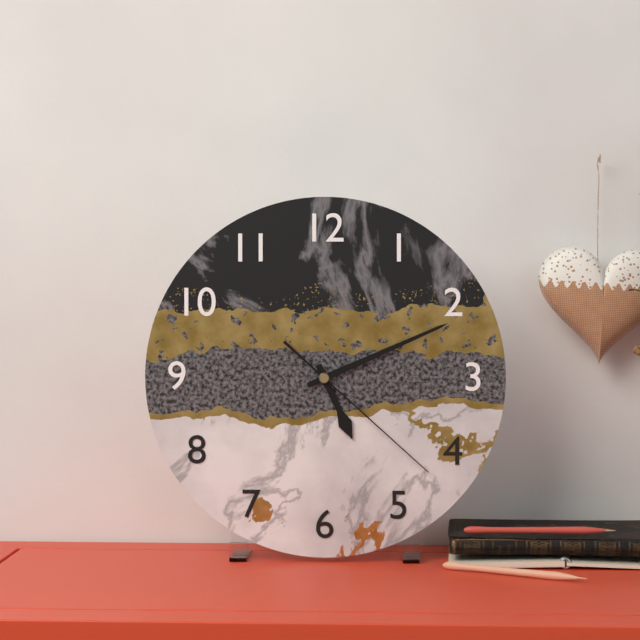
5:11:22
